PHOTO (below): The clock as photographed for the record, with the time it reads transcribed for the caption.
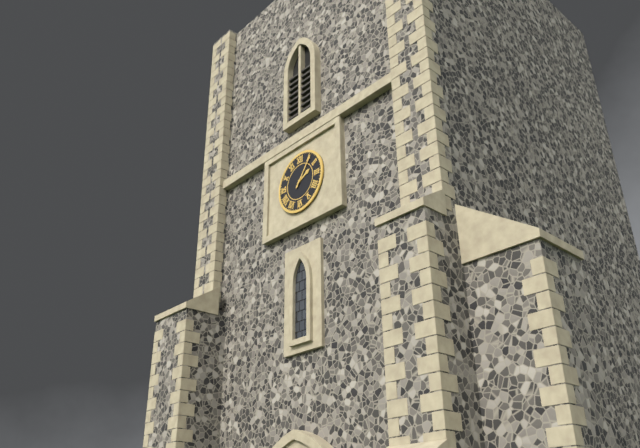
2:06
